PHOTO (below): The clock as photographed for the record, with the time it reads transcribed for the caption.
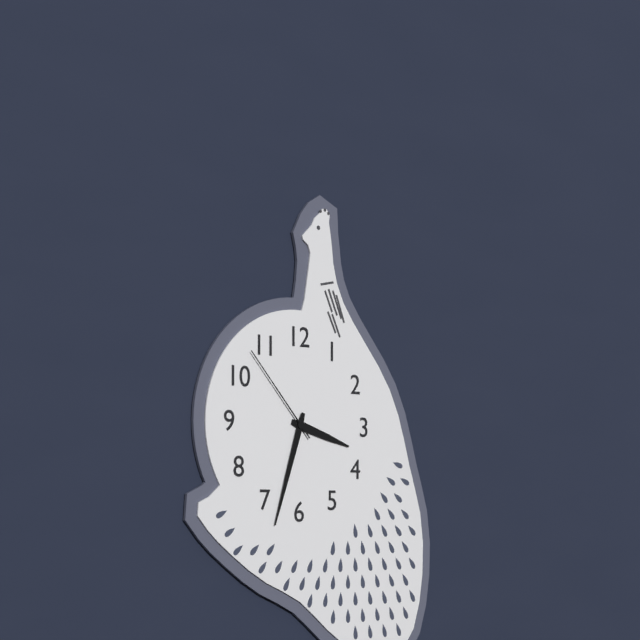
3:33:53
